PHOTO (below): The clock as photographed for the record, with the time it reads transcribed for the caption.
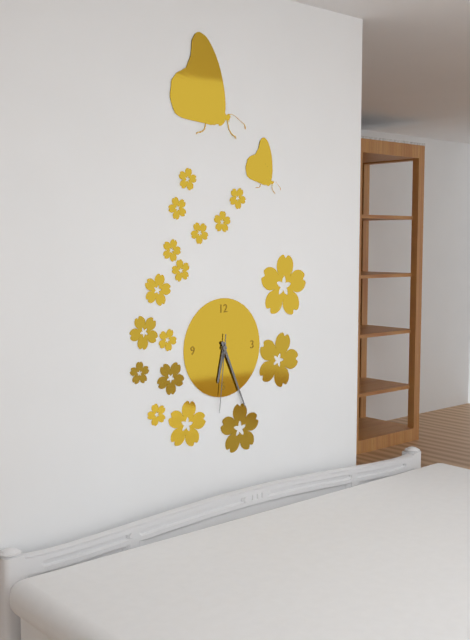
6:26:31
